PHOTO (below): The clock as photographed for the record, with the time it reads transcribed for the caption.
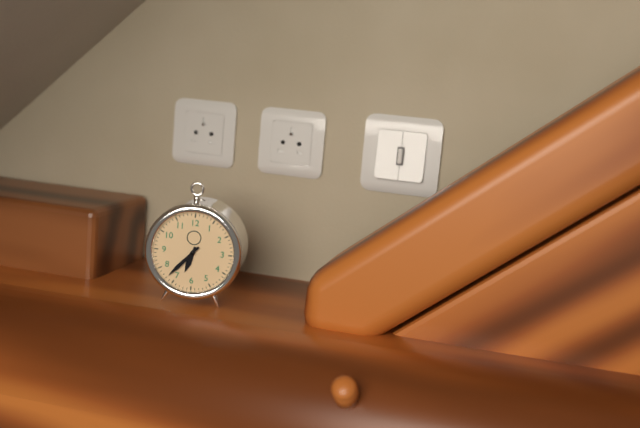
6:37
